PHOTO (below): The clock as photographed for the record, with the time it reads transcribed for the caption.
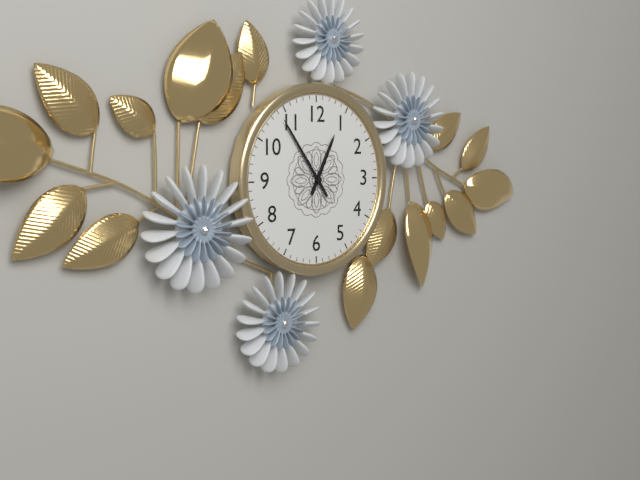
12:54
